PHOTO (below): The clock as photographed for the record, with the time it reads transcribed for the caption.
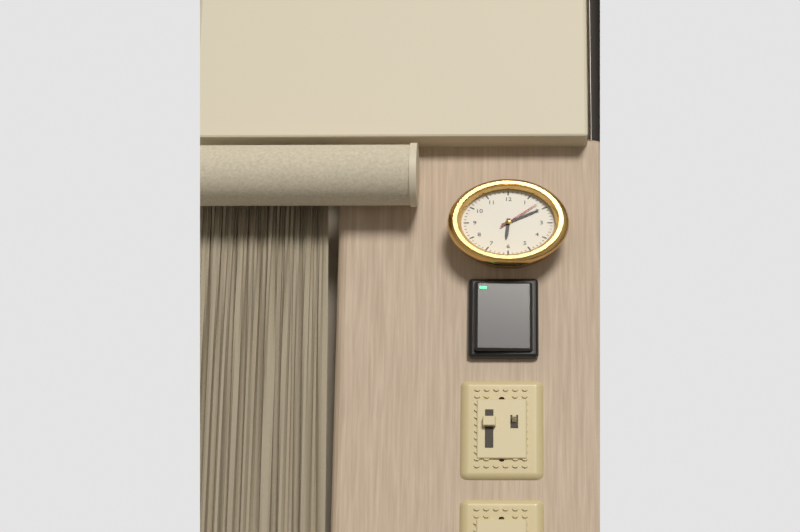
6:10
